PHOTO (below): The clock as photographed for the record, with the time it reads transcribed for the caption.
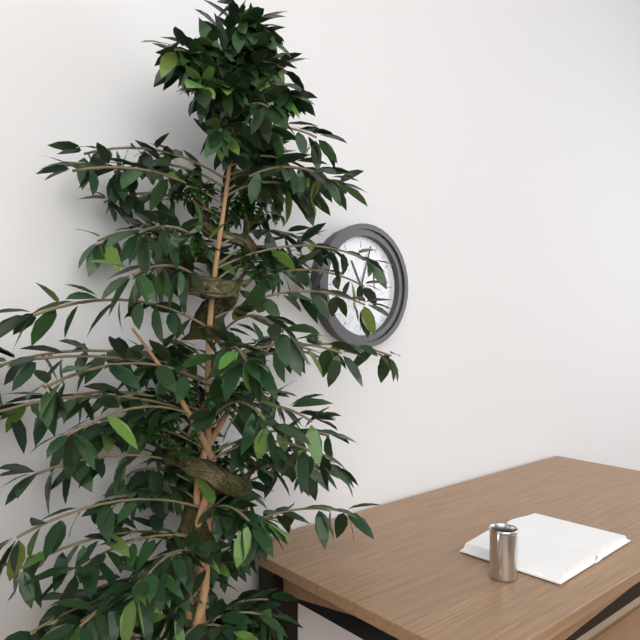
11:03
